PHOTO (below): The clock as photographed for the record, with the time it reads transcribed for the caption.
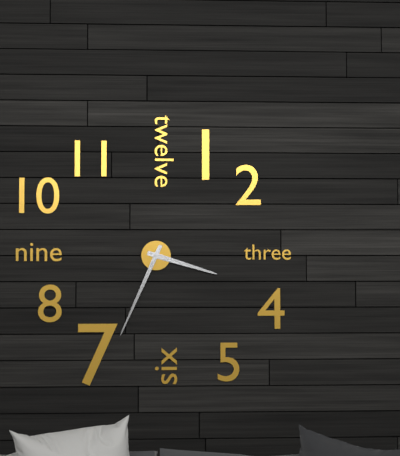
3:34
